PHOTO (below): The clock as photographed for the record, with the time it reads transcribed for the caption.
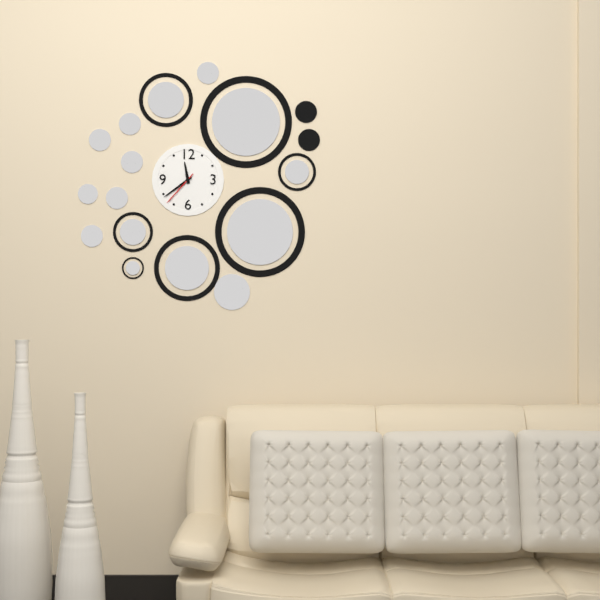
11:39
